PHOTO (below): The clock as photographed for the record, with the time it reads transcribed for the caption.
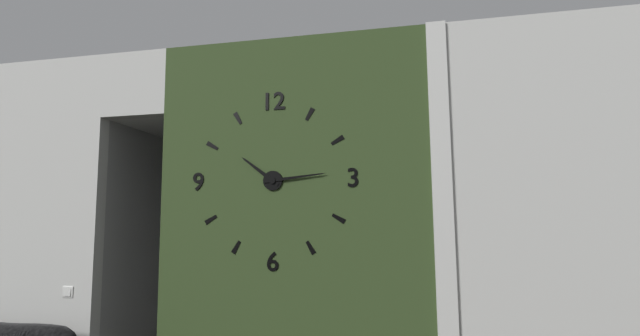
10:14
